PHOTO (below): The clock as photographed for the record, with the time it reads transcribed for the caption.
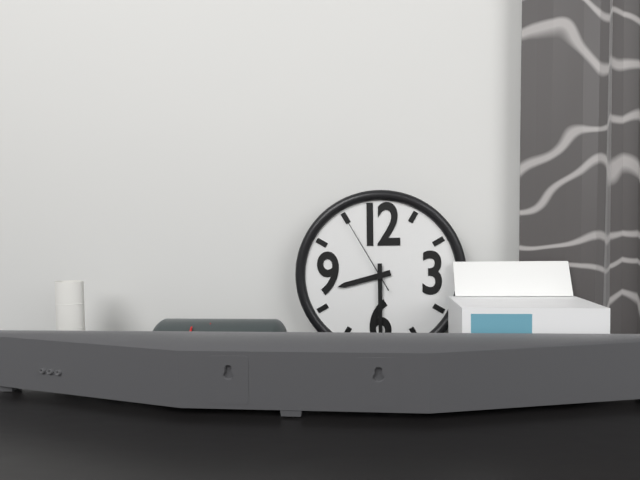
8:30:55
